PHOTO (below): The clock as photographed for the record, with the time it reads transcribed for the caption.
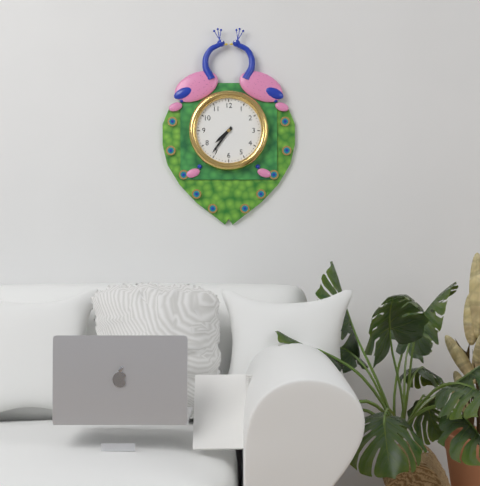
7:36
